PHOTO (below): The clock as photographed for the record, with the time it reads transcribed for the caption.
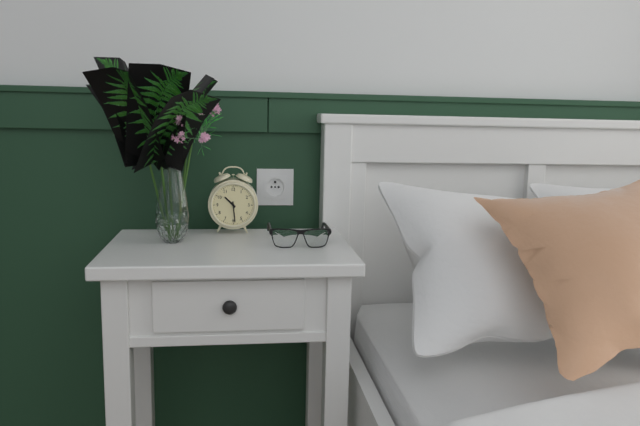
10:29
